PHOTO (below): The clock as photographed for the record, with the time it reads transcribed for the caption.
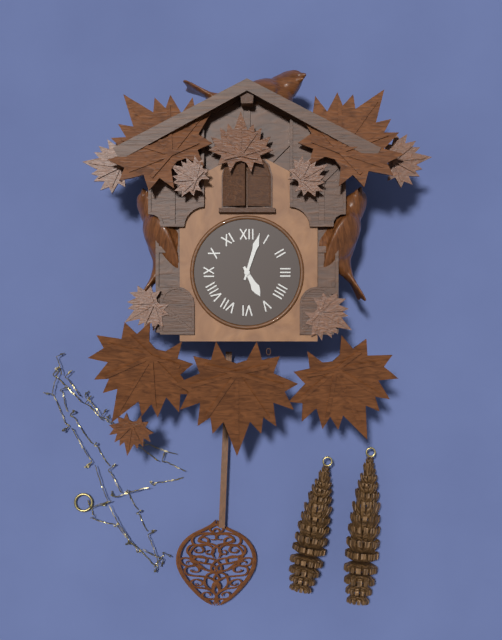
5:03
